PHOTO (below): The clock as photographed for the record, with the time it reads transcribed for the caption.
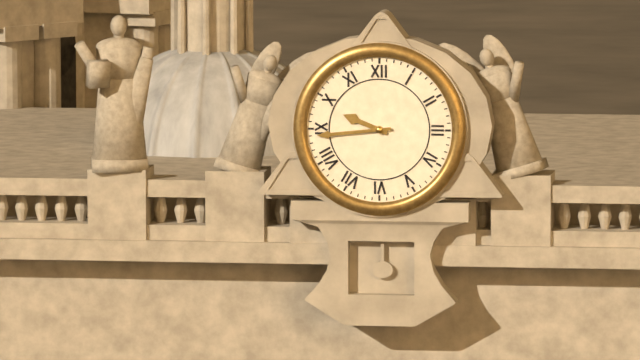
9:44
